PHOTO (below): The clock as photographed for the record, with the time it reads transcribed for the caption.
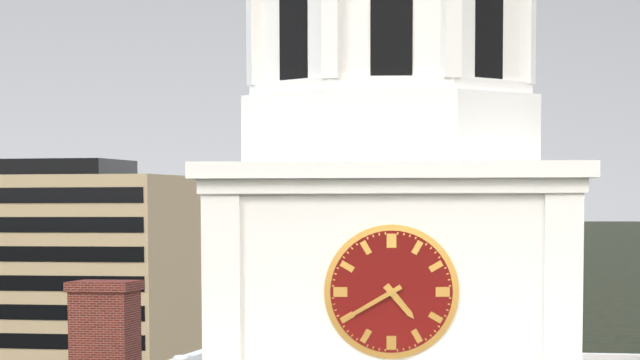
4:40
